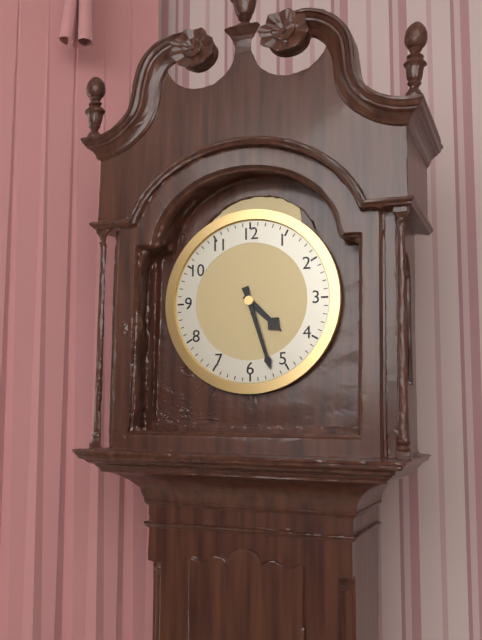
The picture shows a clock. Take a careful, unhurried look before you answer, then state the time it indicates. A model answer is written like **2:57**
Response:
**4:27**
